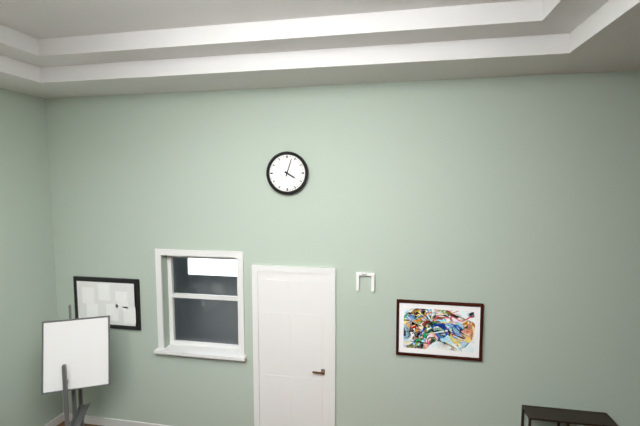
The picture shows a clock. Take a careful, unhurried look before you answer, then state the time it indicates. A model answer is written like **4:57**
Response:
**4:03**
